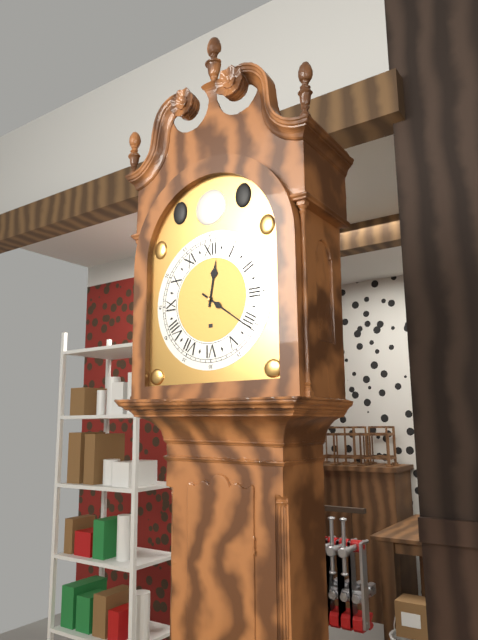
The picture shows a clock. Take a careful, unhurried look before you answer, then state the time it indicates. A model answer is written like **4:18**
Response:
**12:21**
